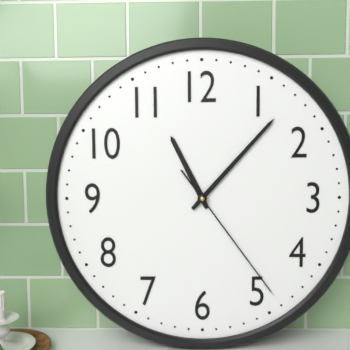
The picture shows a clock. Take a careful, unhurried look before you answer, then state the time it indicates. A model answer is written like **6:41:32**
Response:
**11:07:24**
